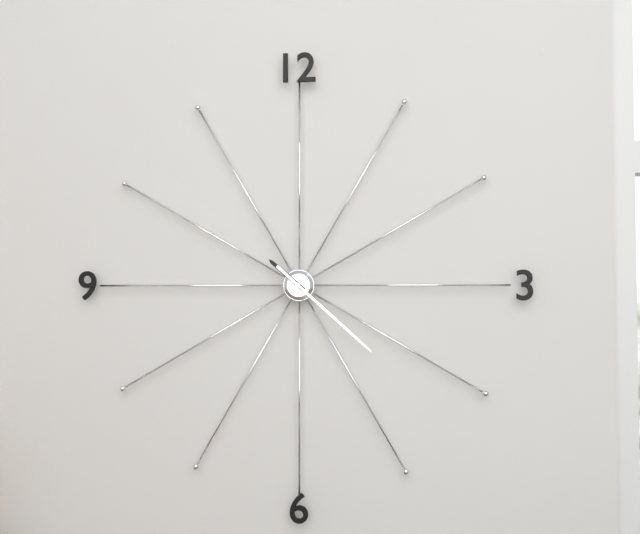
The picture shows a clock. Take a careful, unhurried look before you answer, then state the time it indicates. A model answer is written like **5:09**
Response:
**10:22**
